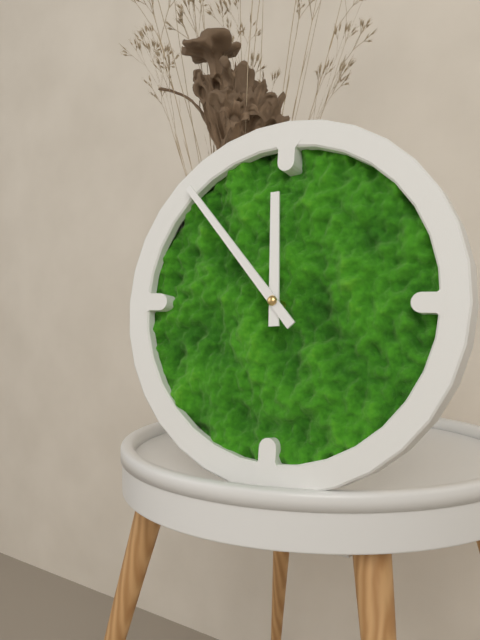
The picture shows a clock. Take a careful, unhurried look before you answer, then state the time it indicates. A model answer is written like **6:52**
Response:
**11:53**
